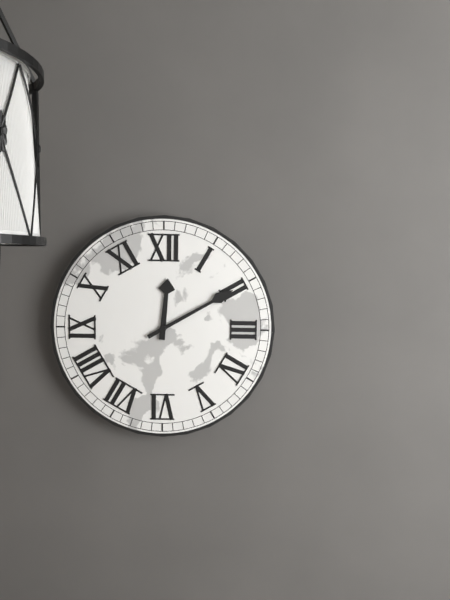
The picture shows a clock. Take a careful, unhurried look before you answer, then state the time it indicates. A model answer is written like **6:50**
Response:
**12:10**
